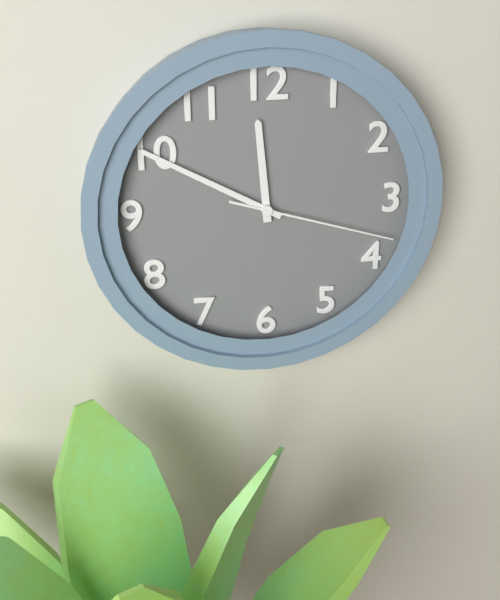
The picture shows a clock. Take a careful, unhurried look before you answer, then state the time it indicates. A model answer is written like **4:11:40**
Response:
**11:50:18**
